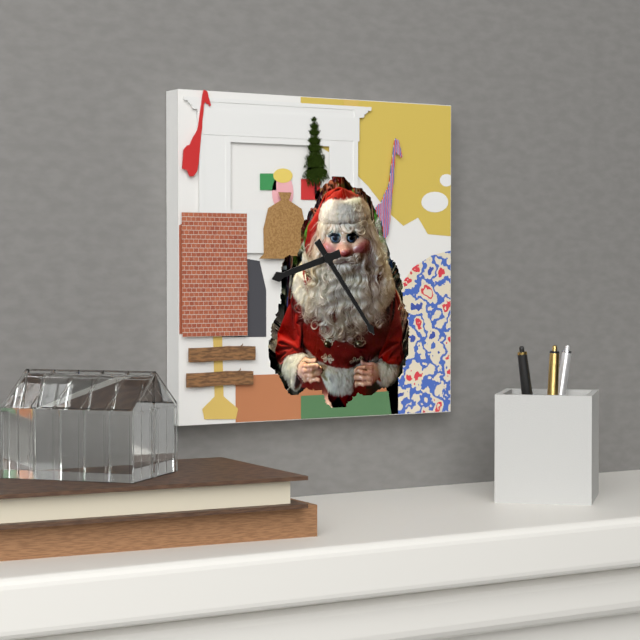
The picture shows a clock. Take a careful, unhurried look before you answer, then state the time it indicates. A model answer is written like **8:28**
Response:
**8:24**
